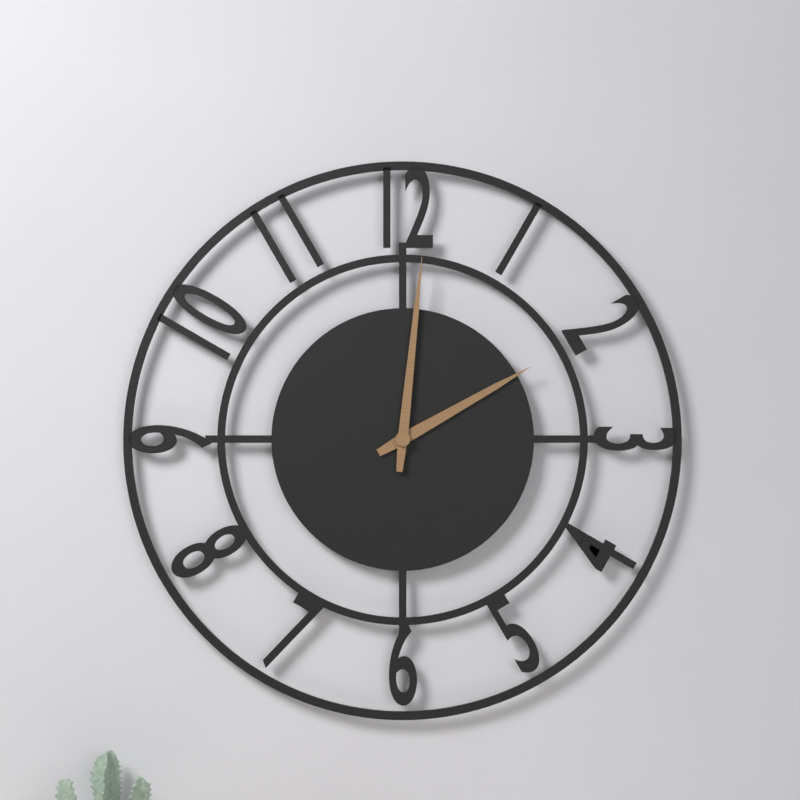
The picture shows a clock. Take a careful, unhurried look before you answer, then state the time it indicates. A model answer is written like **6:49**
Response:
**2:01**
